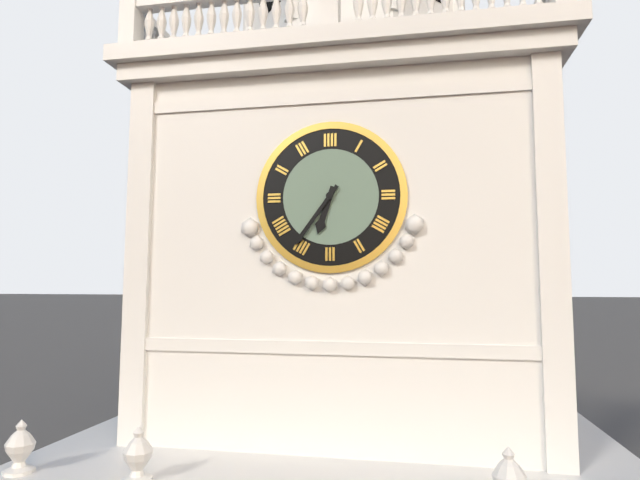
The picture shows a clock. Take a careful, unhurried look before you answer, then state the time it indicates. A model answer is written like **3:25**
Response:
**6:36**
